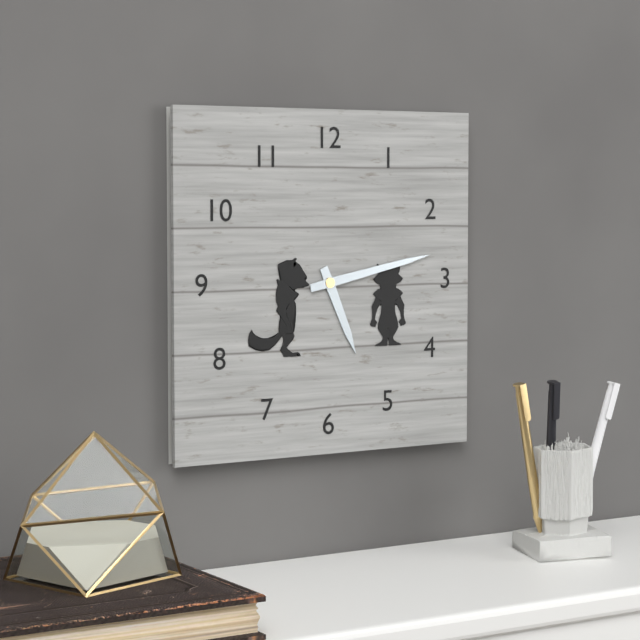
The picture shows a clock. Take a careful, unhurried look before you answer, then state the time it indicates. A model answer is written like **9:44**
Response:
**5:13**
